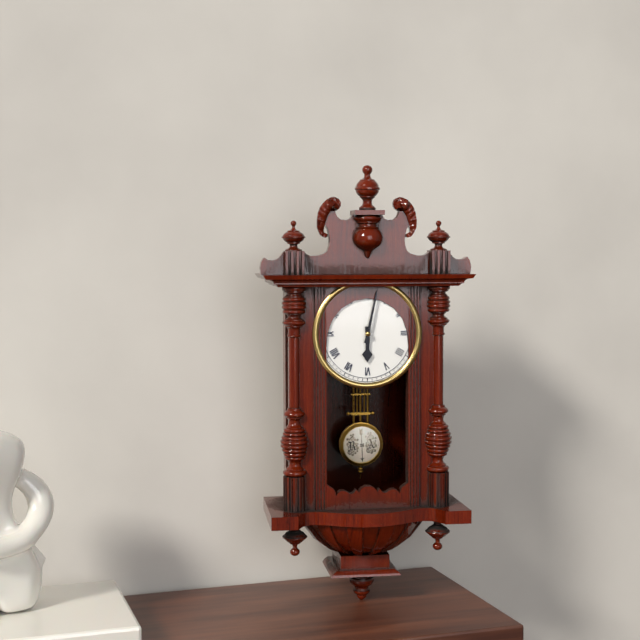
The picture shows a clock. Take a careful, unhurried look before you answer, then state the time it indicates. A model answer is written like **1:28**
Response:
**6:02**
